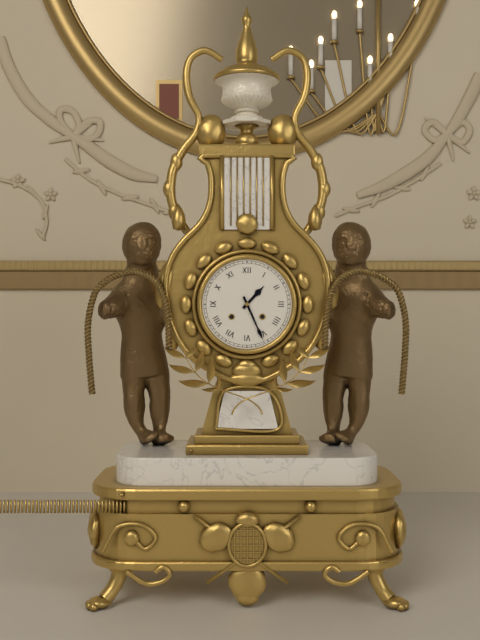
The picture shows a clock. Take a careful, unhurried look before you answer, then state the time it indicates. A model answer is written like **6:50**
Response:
**1:26**
